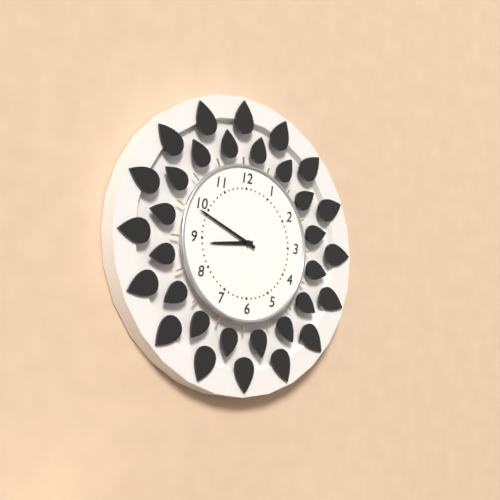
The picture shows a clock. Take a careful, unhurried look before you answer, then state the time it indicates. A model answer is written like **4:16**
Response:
**8:49**
